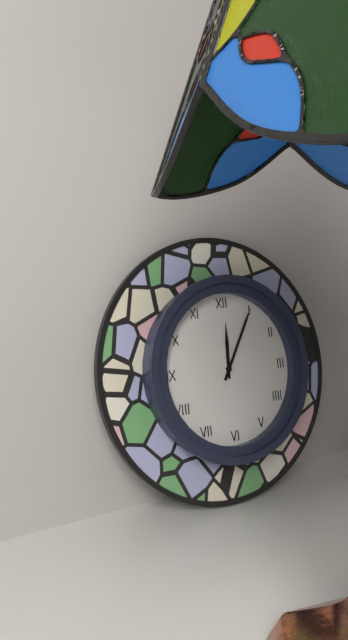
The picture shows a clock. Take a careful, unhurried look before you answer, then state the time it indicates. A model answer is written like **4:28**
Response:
**12:05**
